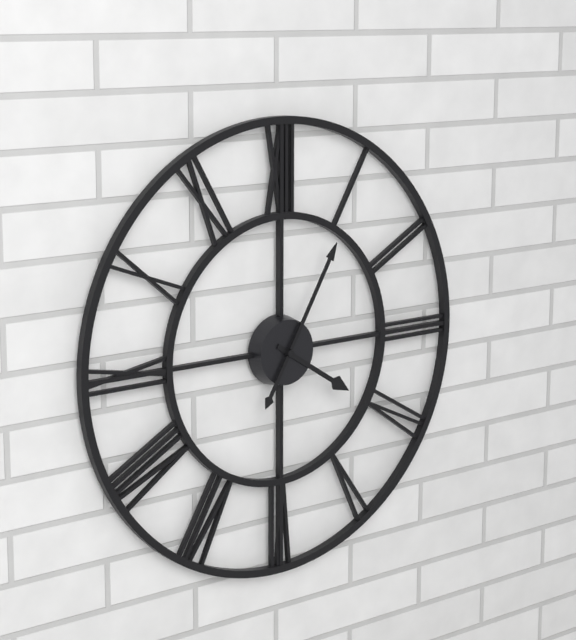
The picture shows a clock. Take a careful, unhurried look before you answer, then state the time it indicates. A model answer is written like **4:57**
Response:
**4:05**
